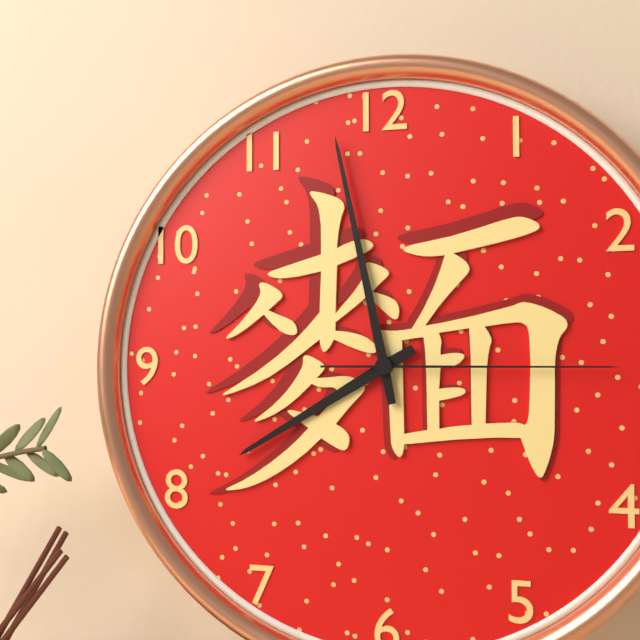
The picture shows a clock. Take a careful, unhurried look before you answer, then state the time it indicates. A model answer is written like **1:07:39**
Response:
**7:58:15**
